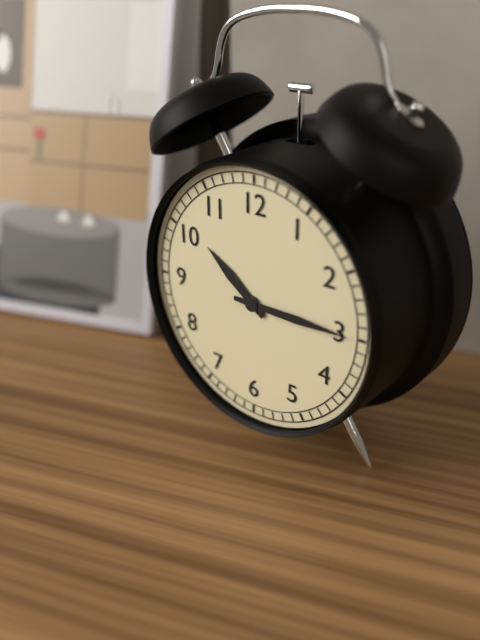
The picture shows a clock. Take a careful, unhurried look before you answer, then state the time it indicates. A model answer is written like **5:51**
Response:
**10:15**
